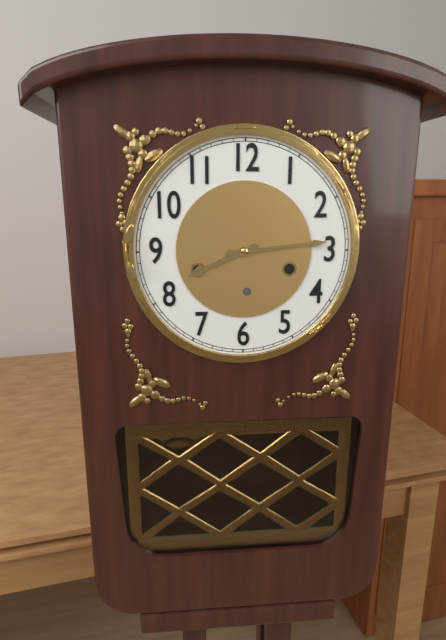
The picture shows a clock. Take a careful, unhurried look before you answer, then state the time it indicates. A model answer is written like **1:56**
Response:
**8:14**
